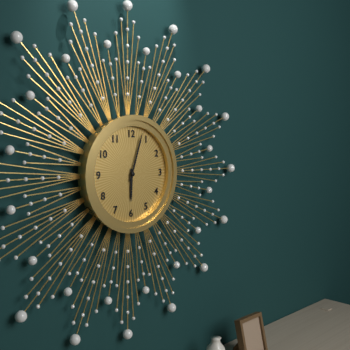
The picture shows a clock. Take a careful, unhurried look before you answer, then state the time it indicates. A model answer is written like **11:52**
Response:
**6:03**
